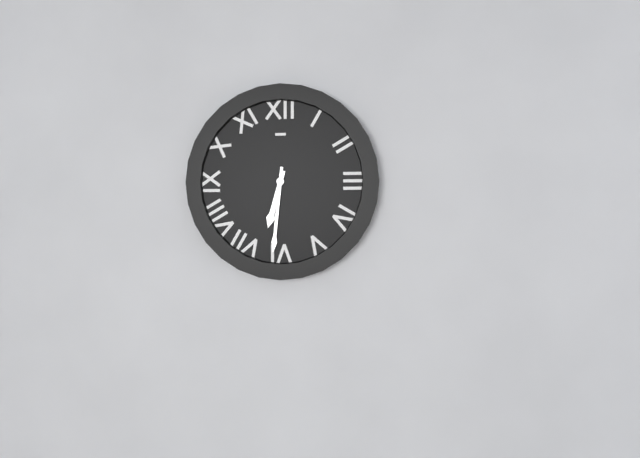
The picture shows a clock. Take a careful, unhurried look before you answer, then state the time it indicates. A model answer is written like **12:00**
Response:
**6:31**
